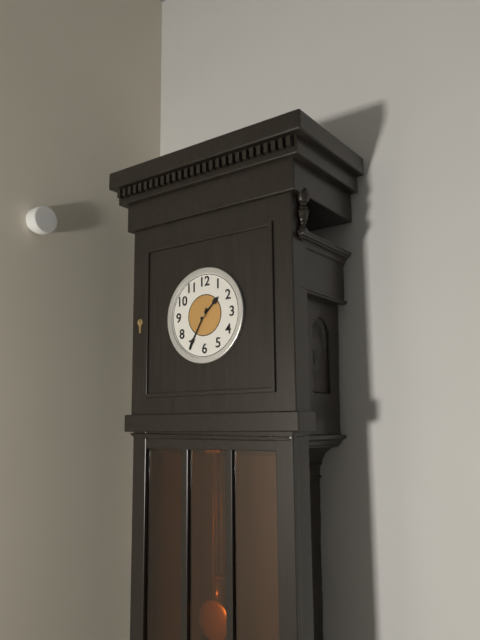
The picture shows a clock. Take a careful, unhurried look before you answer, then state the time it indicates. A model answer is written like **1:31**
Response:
**1:35**
